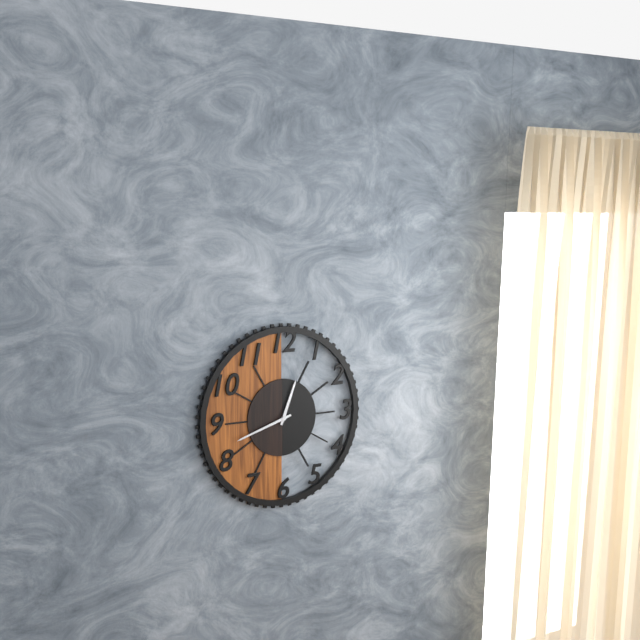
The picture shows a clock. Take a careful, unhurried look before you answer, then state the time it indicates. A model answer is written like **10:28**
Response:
**12:42**
